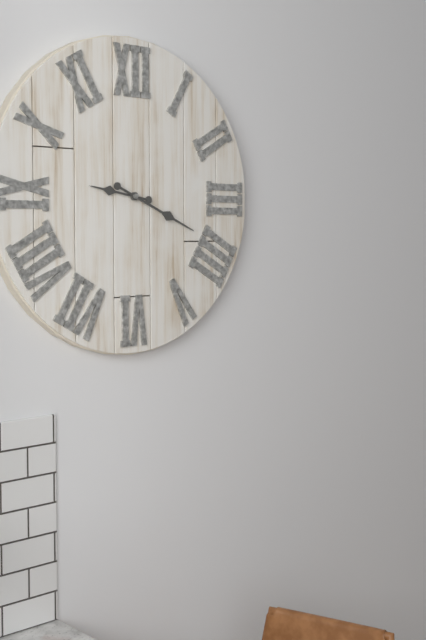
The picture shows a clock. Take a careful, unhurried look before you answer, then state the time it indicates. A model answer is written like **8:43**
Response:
**9:19**
